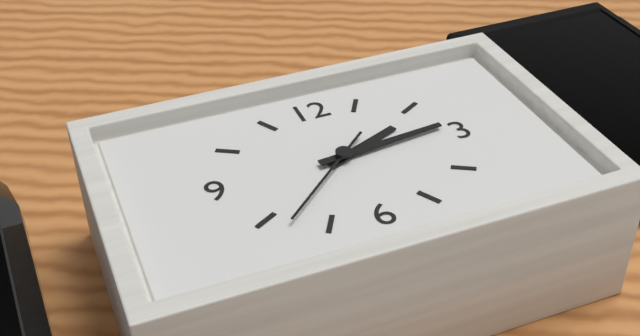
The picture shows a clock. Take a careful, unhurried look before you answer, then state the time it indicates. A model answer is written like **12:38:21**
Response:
**2:14:38**
